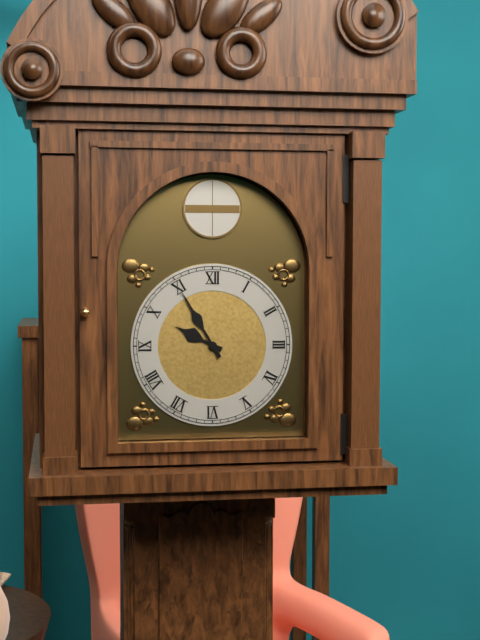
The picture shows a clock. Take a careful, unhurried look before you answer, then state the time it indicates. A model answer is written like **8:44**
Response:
**9:55**
